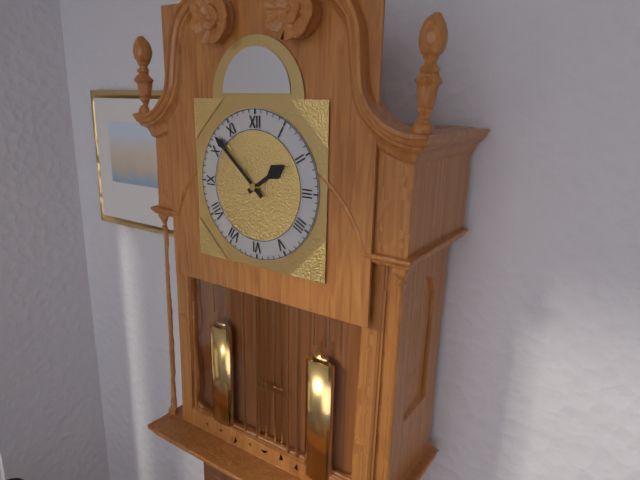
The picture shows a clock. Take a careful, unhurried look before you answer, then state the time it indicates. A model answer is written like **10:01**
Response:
**1:52**
